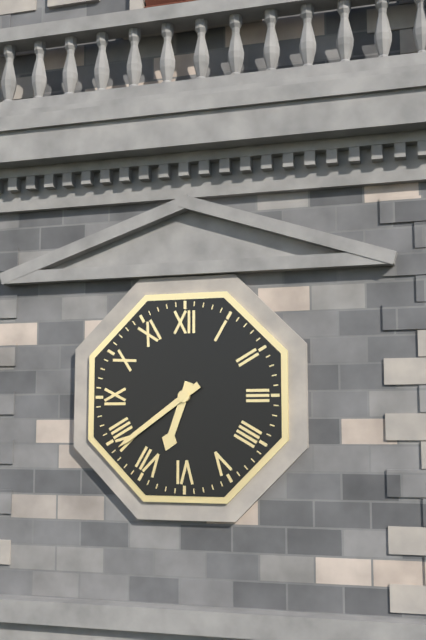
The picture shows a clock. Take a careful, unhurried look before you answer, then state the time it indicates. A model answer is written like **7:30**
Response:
**6:39**
